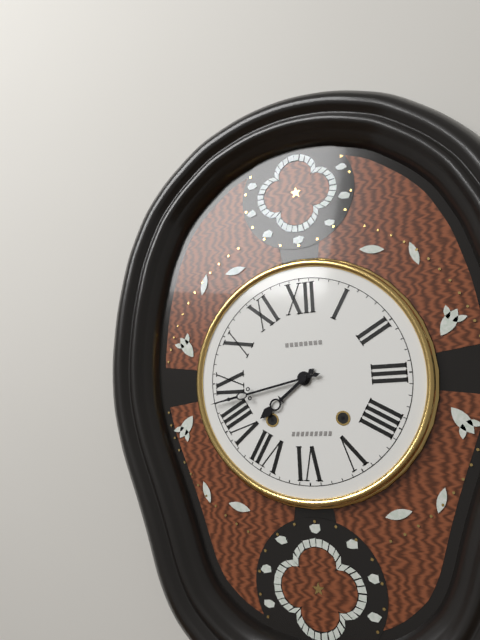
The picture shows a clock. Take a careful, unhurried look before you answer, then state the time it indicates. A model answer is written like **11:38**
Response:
**7:43**
